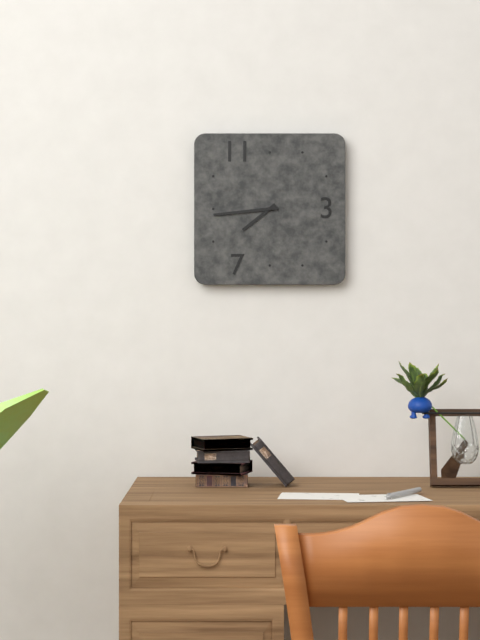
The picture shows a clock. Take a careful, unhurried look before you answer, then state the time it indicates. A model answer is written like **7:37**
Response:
**7:44**
